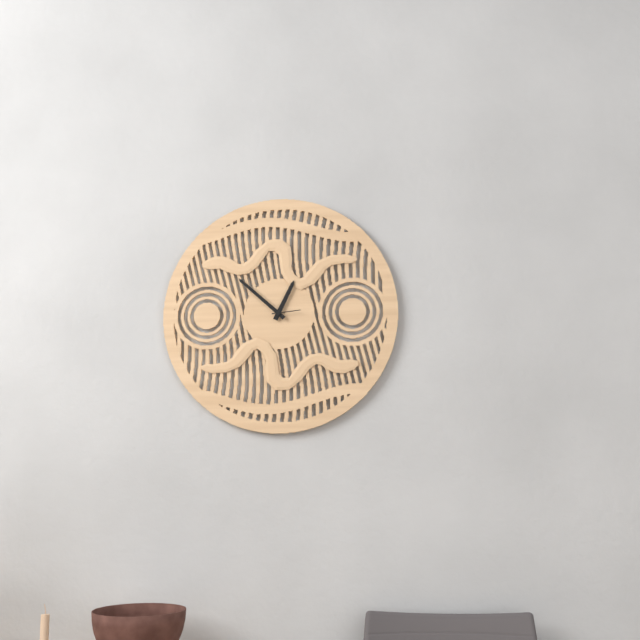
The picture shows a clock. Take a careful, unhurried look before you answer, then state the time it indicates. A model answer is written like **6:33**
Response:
**12:52**
